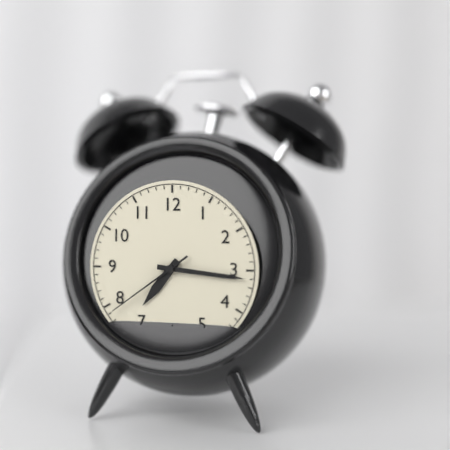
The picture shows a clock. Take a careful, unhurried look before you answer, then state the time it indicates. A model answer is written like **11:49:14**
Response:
**7:16:39**
